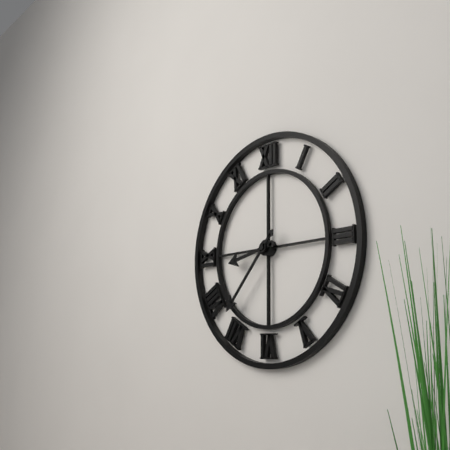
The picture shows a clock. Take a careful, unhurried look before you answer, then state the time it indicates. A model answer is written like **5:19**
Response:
**8:37**
